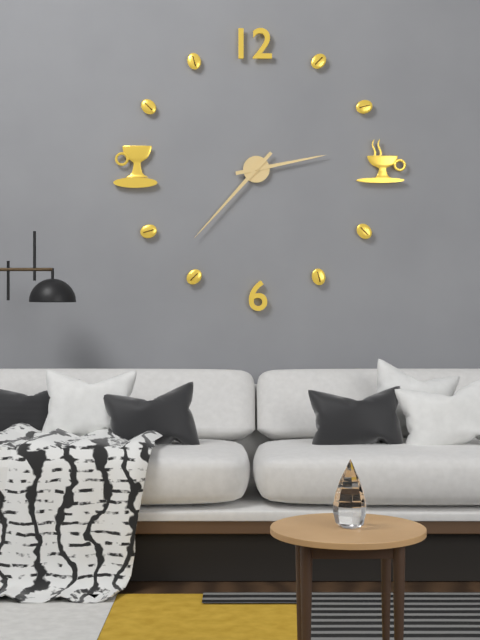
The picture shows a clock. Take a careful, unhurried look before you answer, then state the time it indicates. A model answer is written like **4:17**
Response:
**2:37**
